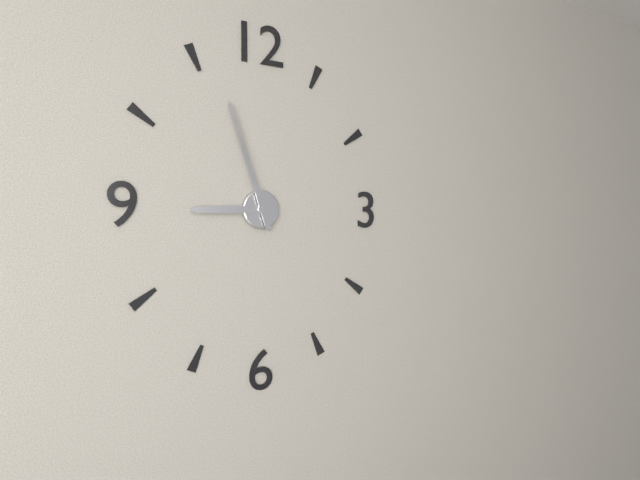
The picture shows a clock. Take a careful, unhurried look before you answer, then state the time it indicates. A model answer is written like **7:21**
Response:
**8:57**
